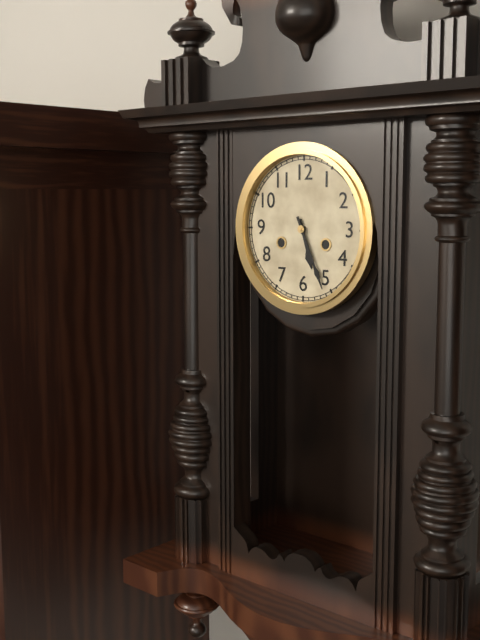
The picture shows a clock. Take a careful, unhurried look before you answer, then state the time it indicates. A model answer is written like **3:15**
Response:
**5:26**
